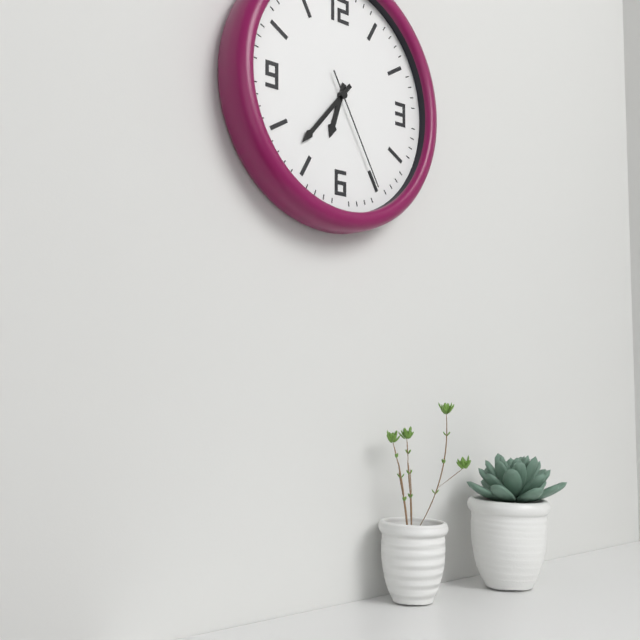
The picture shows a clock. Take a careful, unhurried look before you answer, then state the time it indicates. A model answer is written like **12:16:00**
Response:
**6:37:25**
